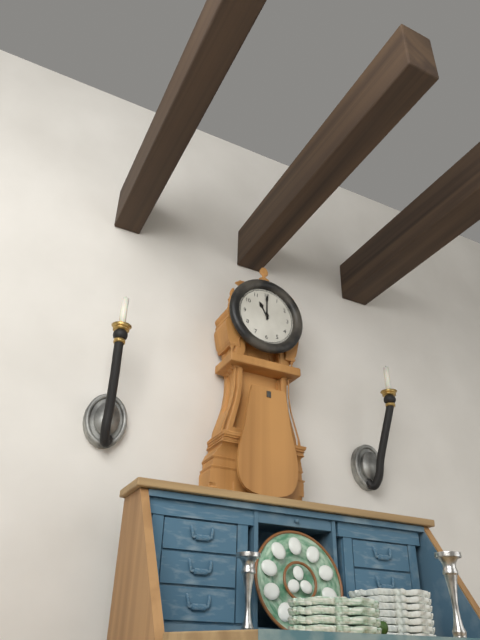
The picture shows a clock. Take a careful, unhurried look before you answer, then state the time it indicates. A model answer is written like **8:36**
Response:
**11:00**
